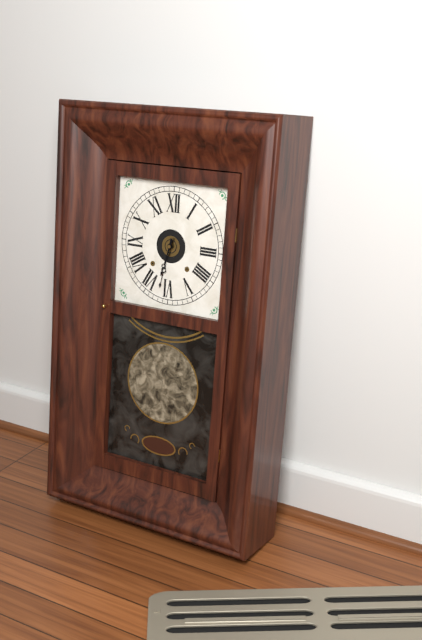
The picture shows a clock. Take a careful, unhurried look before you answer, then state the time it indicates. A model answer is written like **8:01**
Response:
**6:32**
